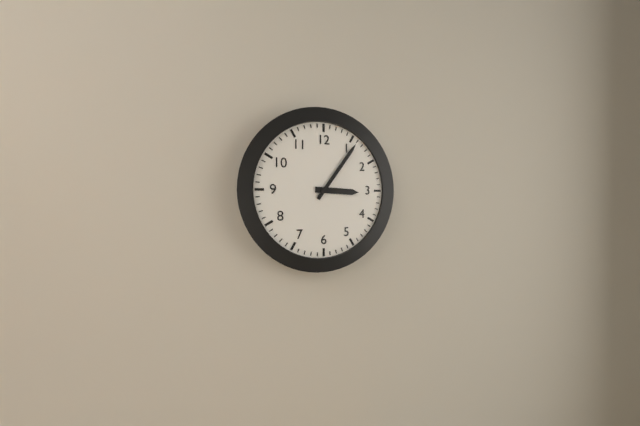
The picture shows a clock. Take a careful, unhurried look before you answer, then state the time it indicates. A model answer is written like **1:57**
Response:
**3:06**
